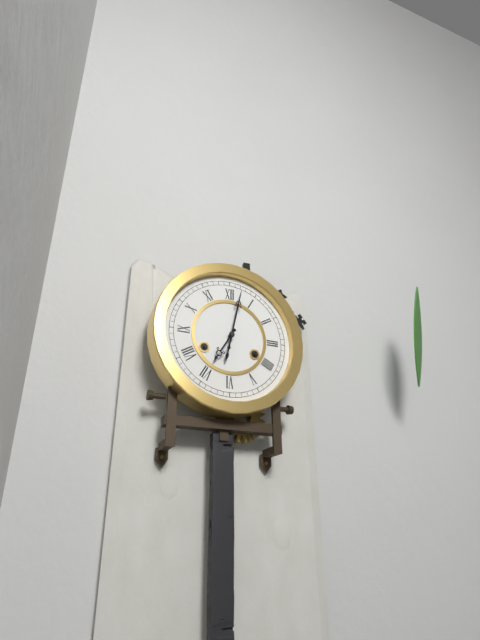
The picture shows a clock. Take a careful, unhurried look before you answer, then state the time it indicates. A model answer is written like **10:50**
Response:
**7:02**
